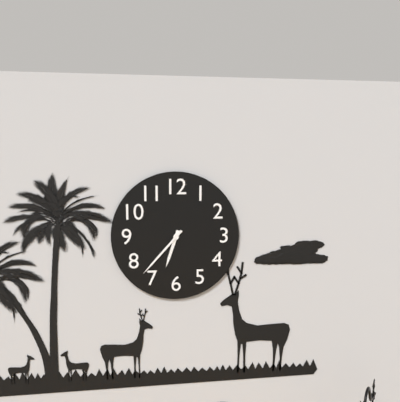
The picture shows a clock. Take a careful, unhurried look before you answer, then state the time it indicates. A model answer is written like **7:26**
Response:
**6:37**
